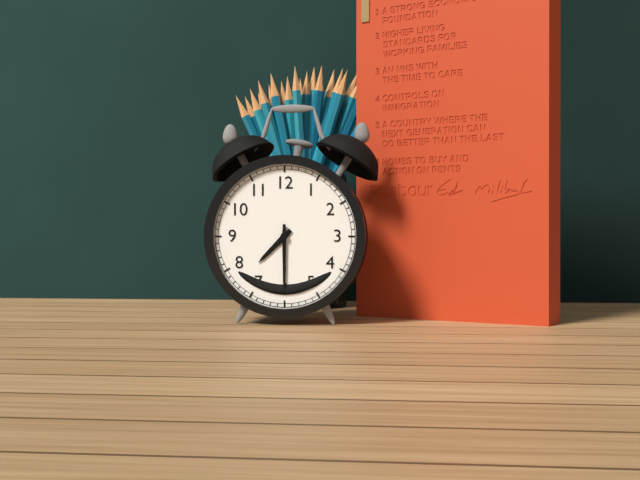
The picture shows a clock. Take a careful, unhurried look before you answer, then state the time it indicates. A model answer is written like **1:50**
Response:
**7:30**
